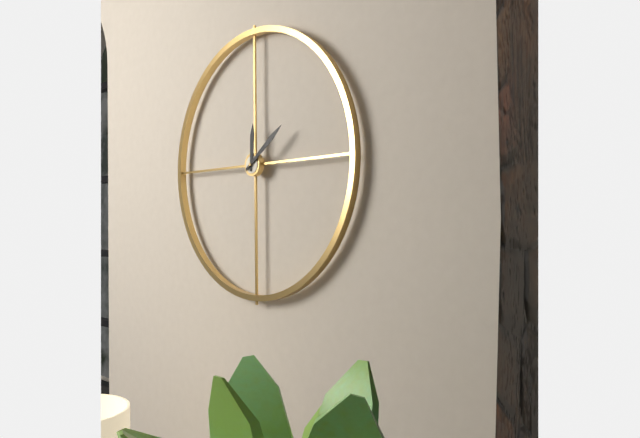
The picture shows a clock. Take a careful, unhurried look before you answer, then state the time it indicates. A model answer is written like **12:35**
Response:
**12:09**
